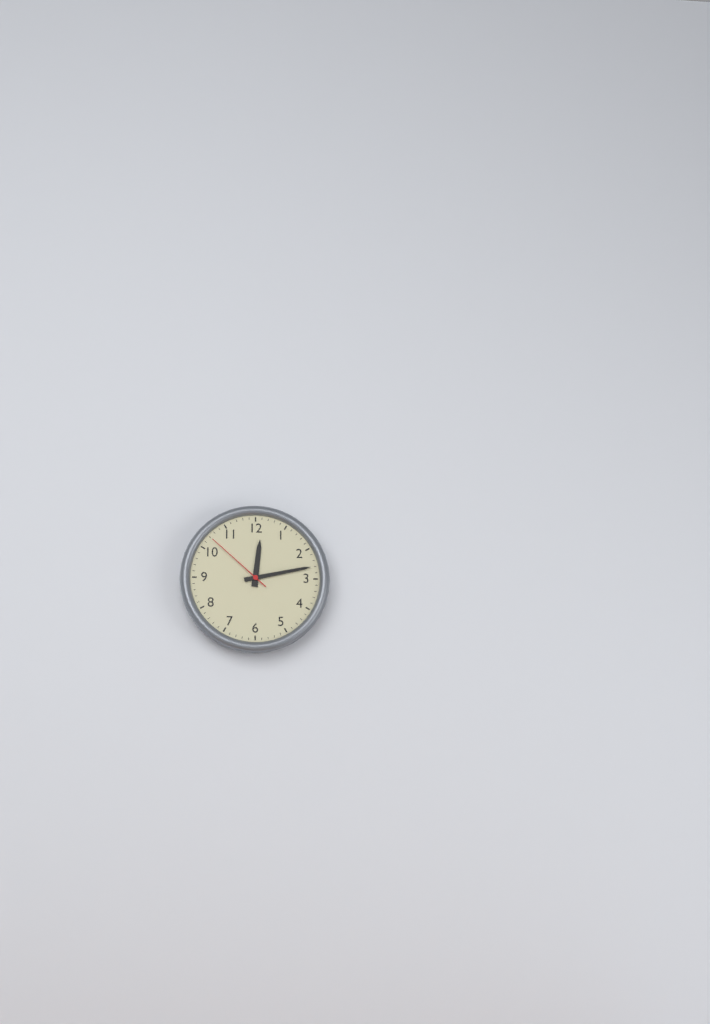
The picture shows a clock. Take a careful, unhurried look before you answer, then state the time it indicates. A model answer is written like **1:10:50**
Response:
**12:13:52**
